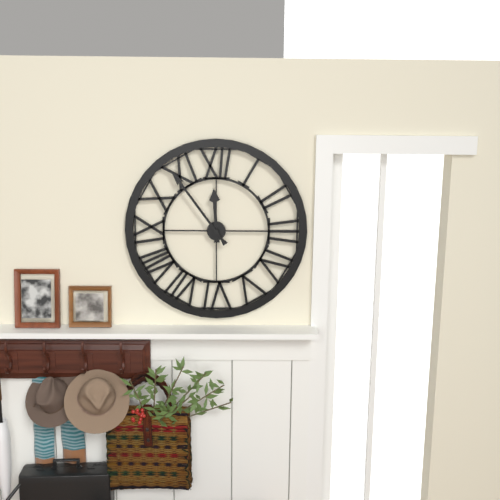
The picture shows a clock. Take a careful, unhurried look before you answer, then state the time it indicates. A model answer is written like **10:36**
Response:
**11:54**
